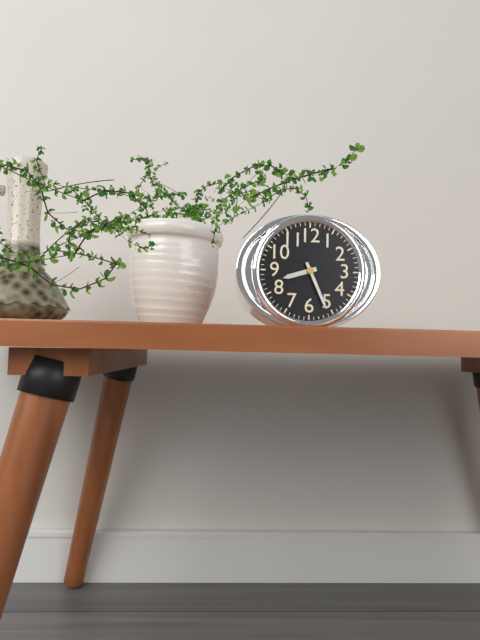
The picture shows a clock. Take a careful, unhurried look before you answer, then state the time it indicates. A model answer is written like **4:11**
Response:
**8:26**
